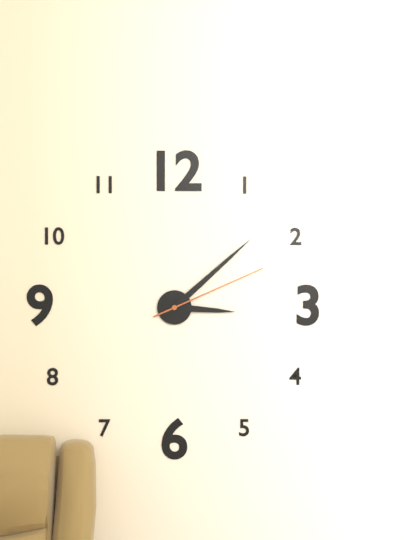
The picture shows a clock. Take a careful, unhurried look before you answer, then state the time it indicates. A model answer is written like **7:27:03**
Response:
**3:08:11**
